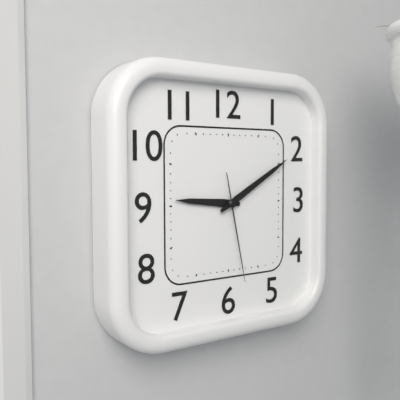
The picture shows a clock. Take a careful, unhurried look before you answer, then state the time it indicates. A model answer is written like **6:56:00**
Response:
**9:10:28**
